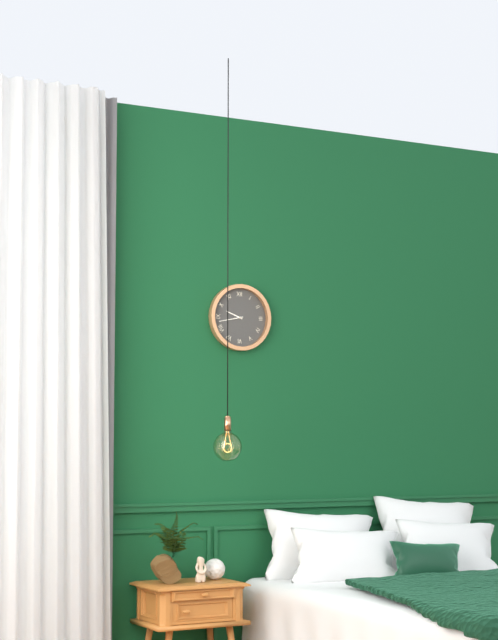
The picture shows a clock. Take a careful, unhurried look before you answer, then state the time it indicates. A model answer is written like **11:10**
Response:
**9:43**
